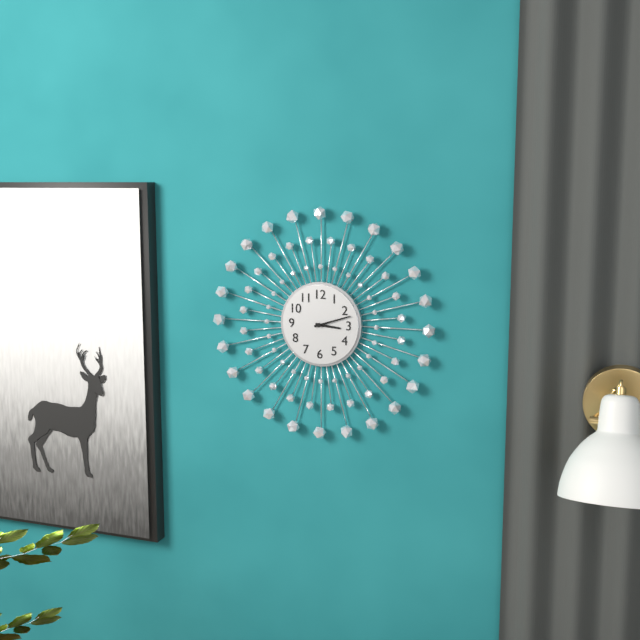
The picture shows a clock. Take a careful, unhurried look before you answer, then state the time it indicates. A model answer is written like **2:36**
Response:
**3:12**
